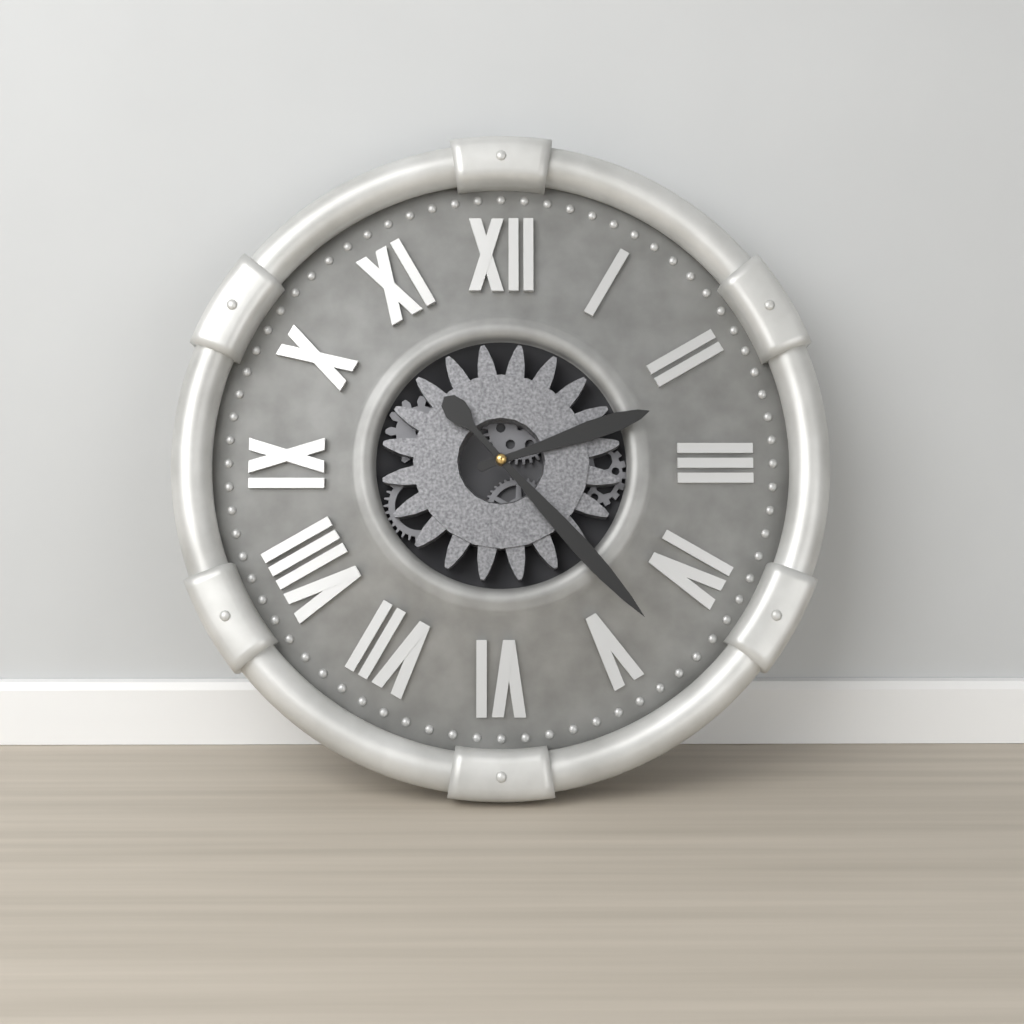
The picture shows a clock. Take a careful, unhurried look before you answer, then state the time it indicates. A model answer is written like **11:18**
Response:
**2:23**
